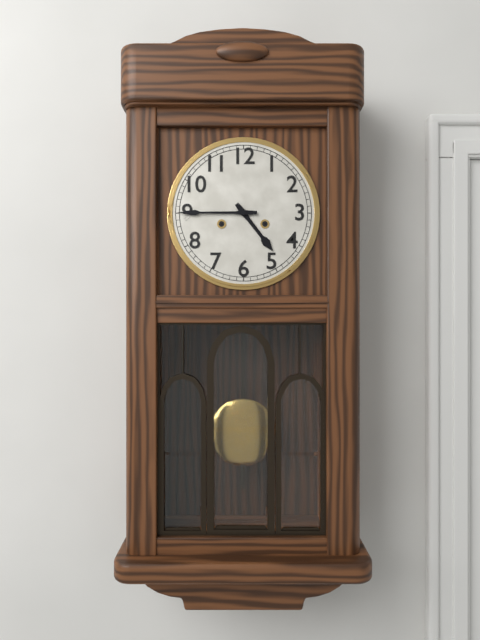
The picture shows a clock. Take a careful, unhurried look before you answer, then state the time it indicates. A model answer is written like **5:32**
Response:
**4:45**
